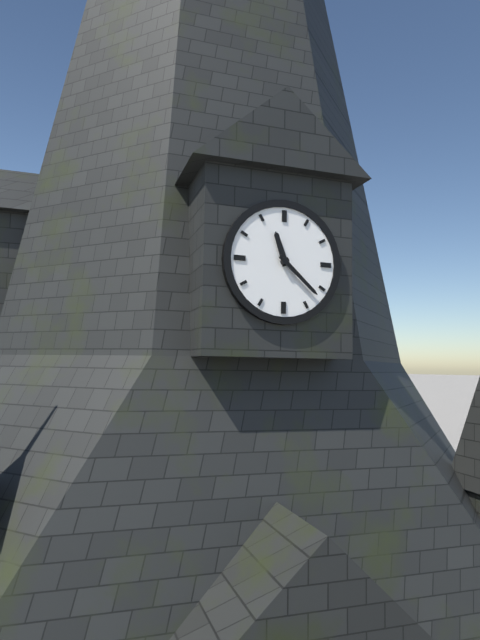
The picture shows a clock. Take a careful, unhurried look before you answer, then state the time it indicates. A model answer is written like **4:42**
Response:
**11:22**
